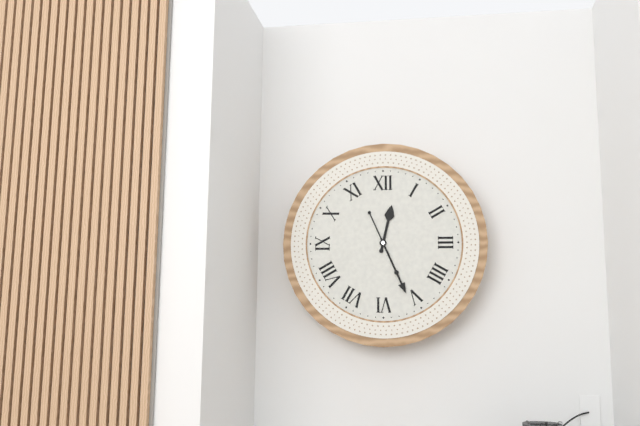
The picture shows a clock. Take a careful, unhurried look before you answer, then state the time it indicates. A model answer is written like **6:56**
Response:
**12:26**
